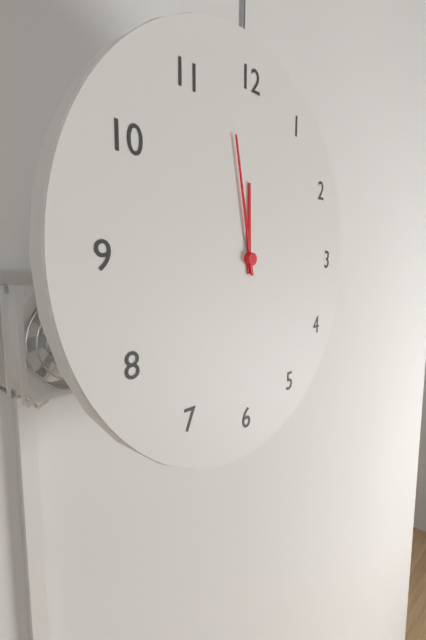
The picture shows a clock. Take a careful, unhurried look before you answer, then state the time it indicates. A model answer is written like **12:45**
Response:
**11:58**
